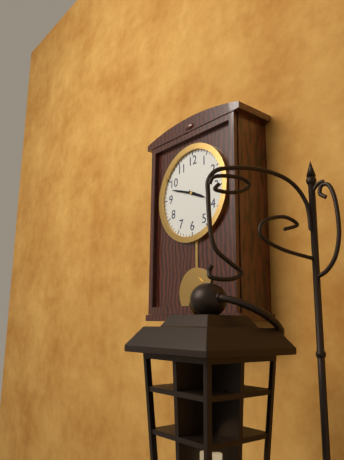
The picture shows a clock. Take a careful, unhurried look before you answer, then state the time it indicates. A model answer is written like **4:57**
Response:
**3:48**
